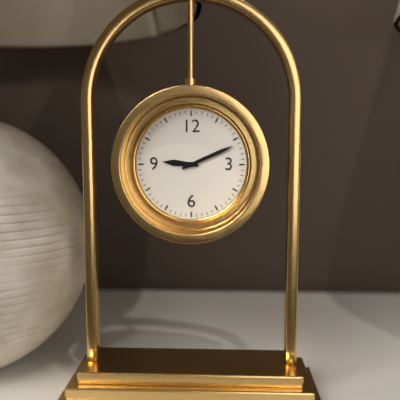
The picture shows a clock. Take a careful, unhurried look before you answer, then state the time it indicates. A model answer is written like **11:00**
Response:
**9:11**
